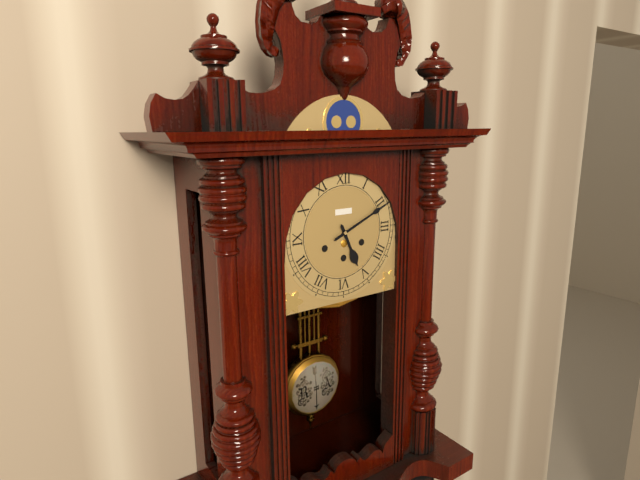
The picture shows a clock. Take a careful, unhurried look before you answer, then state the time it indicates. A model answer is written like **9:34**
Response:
**5:11**
